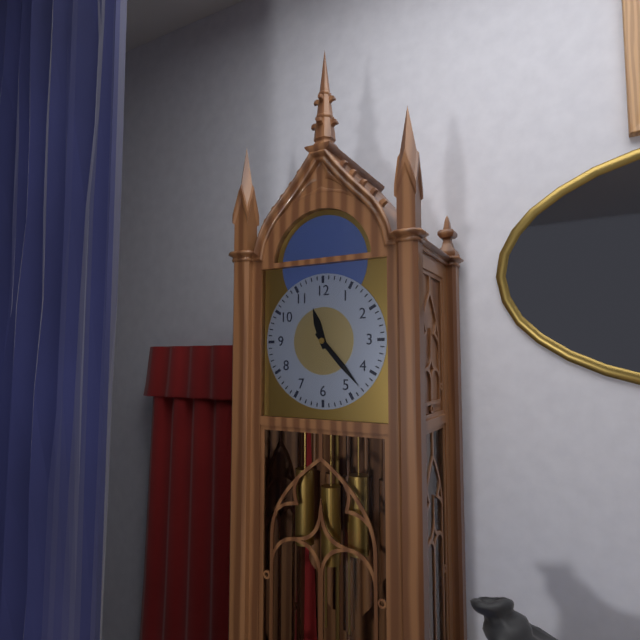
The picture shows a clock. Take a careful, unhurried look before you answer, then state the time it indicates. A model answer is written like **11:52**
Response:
**11:23**
